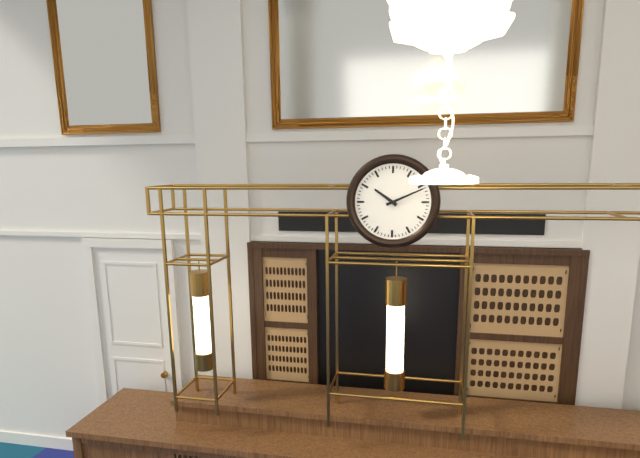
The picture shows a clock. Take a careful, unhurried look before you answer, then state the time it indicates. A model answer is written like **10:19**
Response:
**10:11**
